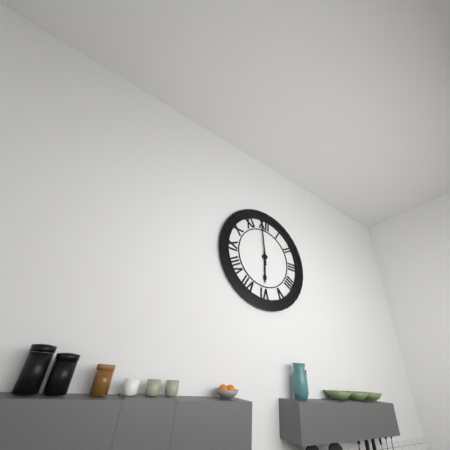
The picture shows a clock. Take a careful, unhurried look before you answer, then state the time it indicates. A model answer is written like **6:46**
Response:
**5:59**
